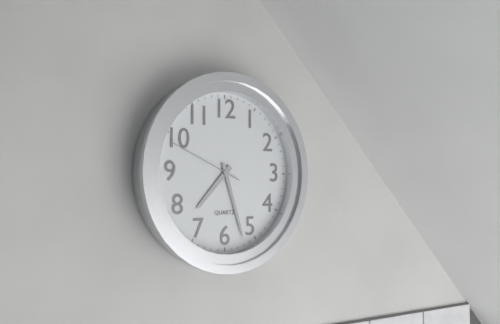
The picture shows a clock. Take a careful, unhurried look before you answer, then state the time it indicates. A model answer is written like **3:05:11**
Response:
**7:27:49**
